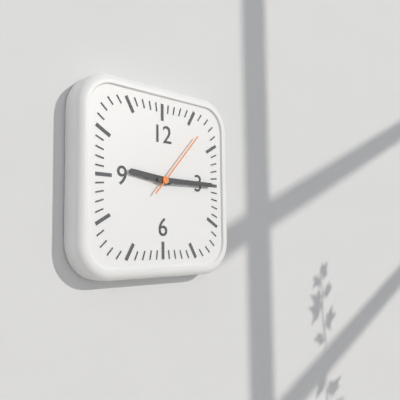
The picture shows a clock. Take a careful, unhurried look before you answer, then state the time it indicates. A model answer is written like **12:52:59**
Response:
**9:15:07**
